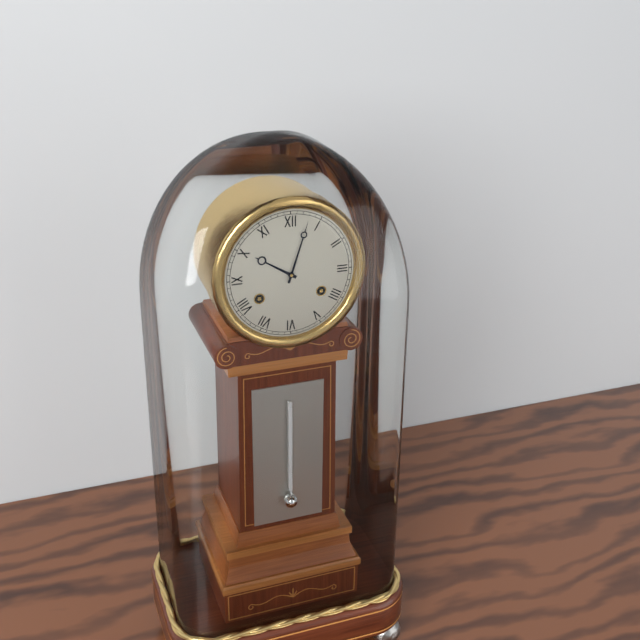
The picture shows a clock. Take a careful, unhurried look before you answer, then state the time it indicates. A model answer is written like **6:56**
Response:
**10:03**
